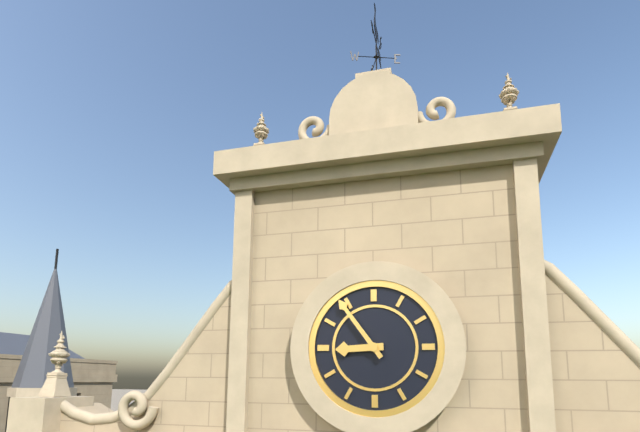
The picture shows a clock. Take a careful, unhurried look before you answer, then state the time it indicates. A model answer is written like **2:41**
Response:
**8:54**
